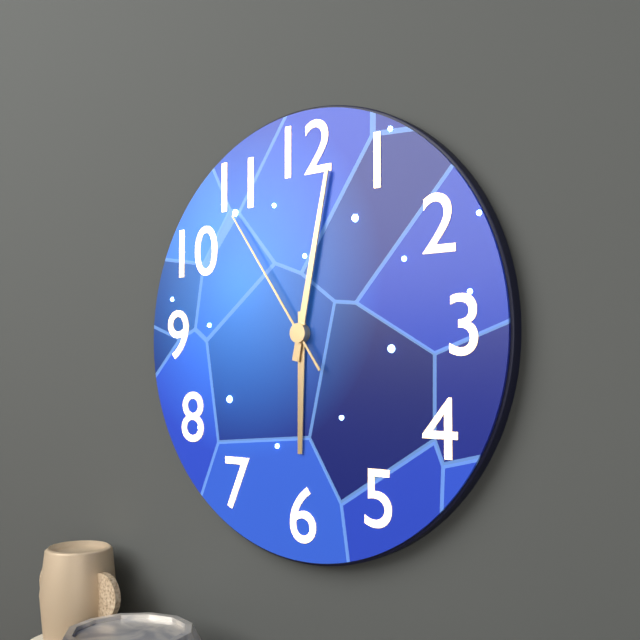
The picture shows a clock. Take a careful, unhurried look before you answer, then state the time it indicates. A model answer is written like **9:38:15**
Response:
**6:02:54**
